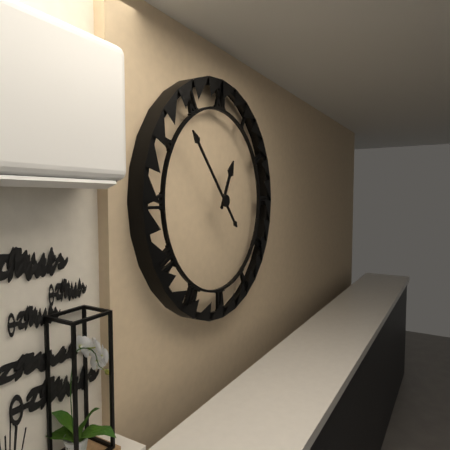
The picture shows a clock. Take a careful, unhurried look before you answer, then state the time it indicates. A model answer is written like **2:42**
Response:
**12:53**
